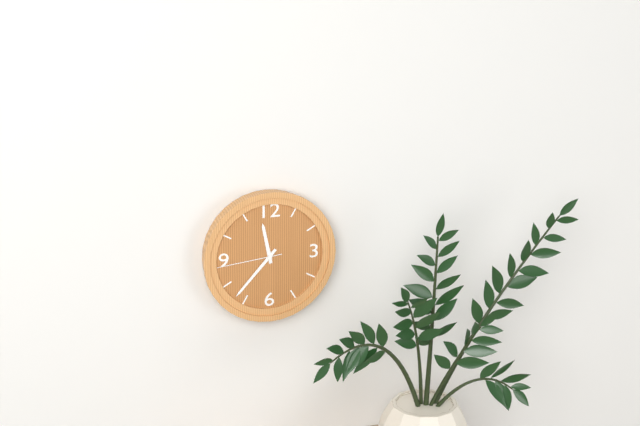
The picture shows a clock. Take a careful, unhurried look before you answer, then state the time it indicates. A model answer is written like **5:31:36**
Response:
**11:37:44**
